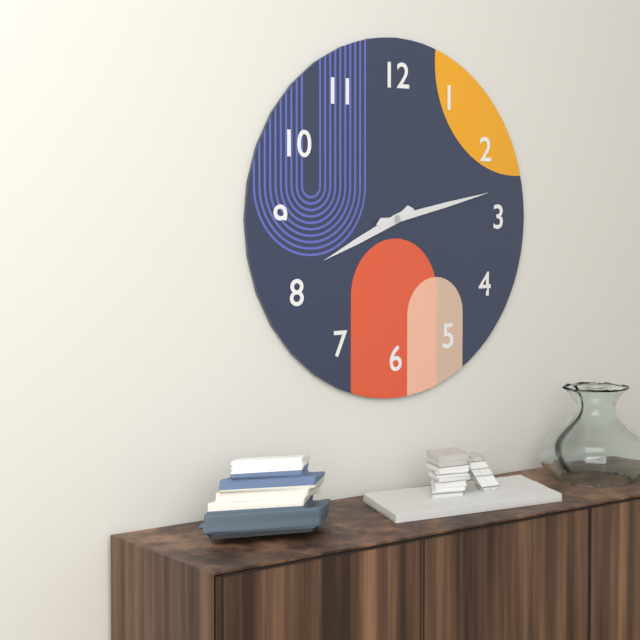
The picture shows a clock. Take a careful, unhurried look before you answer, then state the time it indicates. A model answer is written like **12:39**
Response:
**8:13**
